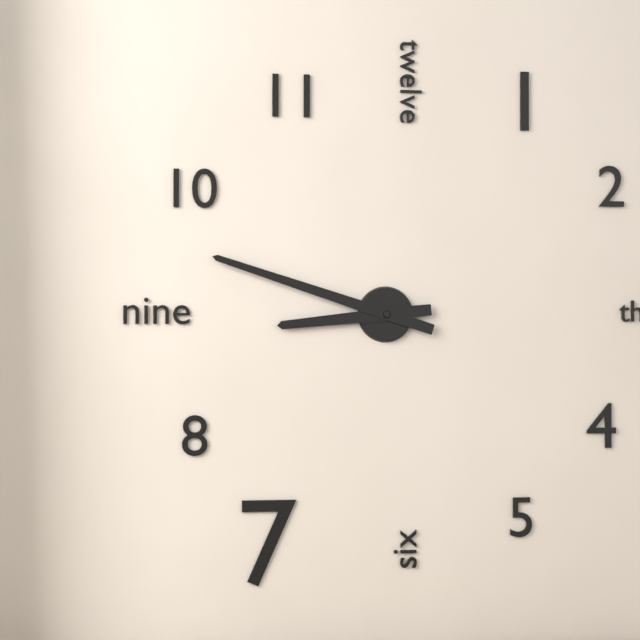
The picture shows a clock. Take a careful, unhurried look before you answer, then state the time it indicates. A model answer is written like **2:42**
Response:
**8:48**
